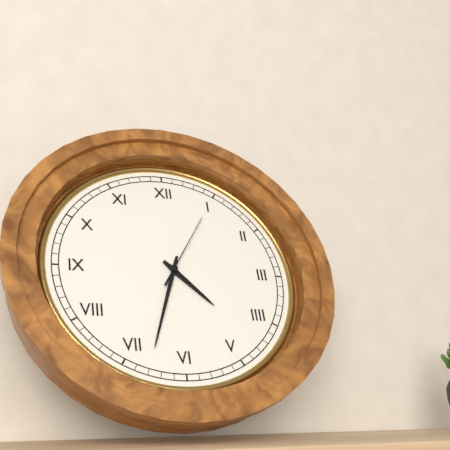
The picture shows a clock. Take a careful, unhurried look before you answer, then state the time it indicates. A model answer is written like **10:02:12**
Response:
**4:33:05**
